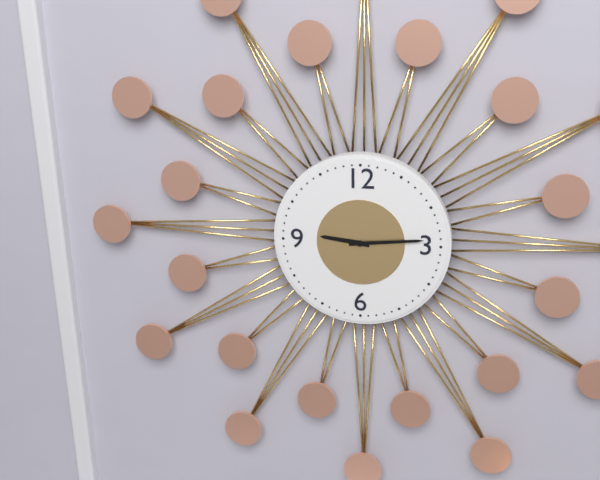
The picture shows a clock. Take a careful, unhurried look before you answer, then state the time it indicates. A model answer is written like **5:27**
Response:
**9:14**
